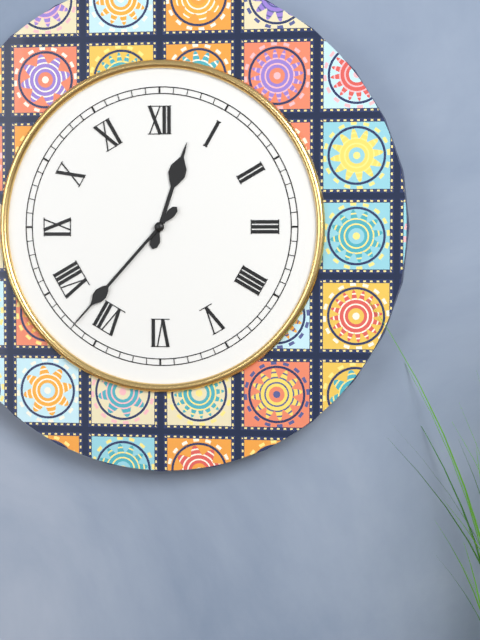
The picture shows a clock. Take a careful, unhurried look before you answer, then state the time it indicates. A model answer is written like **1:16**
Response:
**12:37**
